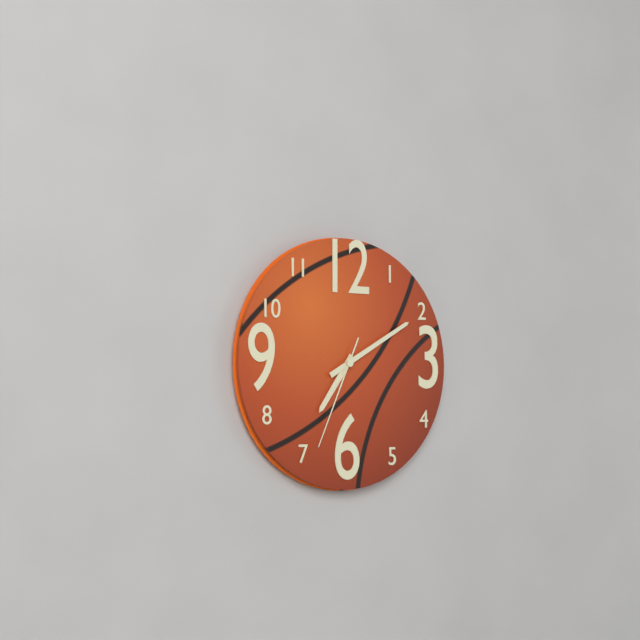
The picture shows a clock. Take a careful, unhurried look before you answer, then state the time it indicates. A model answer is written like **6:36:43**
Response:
**7:10:34**
